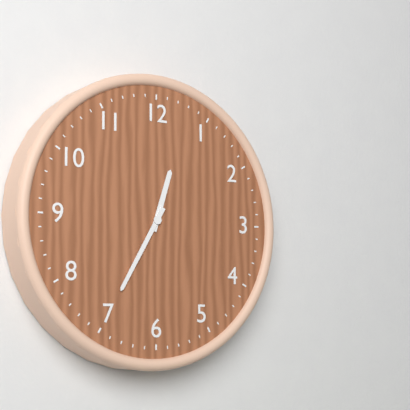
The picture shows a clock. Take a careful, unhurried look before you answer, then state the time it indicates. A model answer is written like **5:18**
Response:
**12:35**
